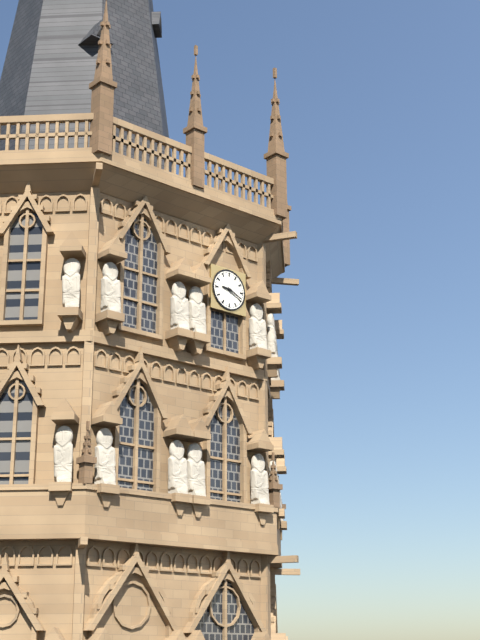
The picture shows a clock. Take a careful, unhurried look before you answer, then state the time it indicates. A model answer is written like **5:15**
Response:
**9:19**
